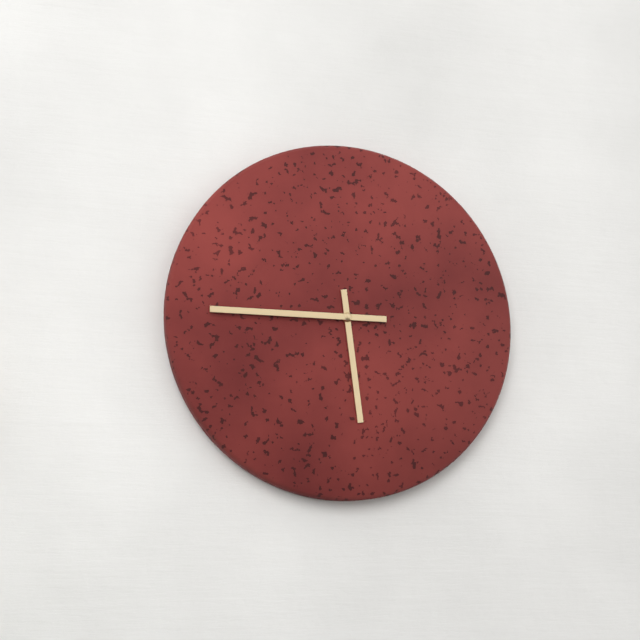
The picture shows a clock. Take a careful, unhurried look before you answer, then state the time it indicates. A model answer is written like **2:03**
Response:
**5:45**
